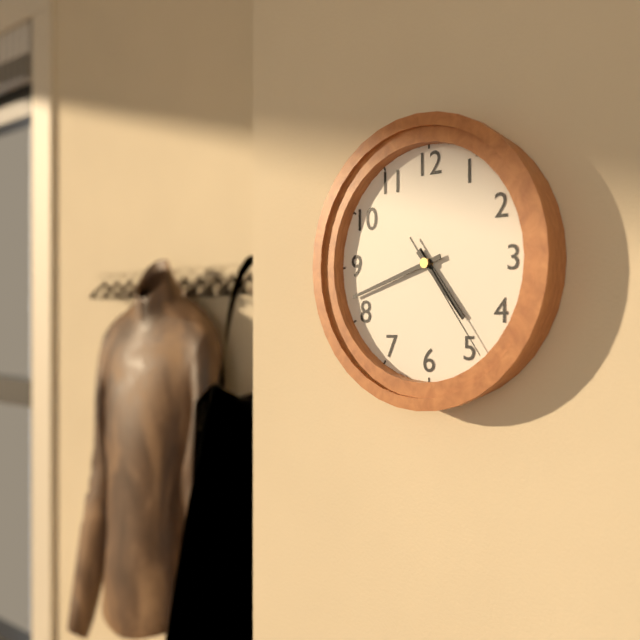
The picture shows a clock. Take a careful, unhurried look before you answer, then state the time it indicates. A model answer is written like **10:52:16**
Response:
**4:42:24**
